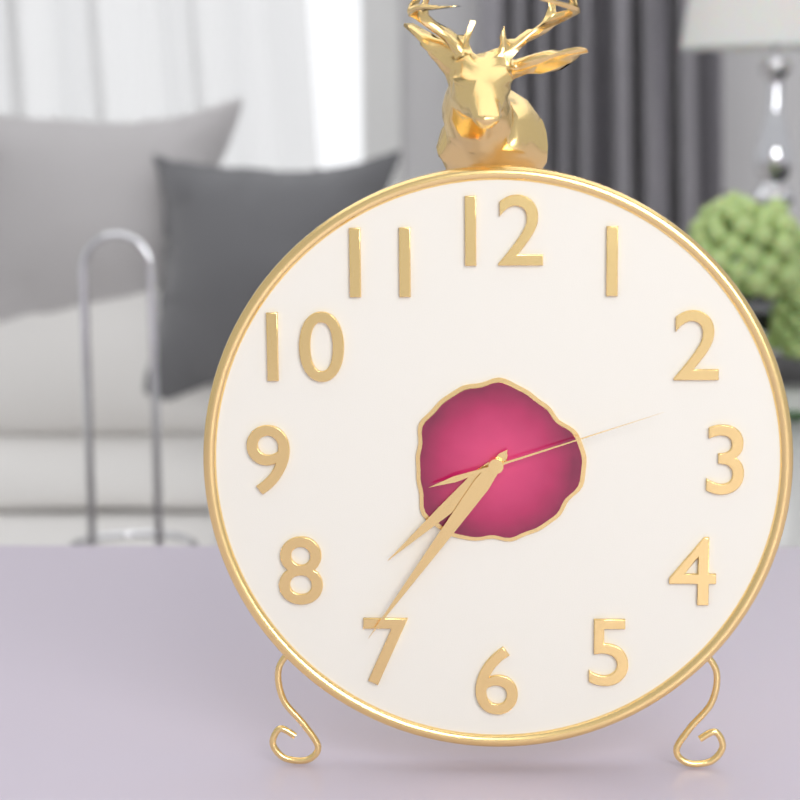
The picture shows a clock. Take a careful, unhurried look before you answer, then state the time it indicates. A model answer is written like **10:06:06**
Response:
**7:36:12**
